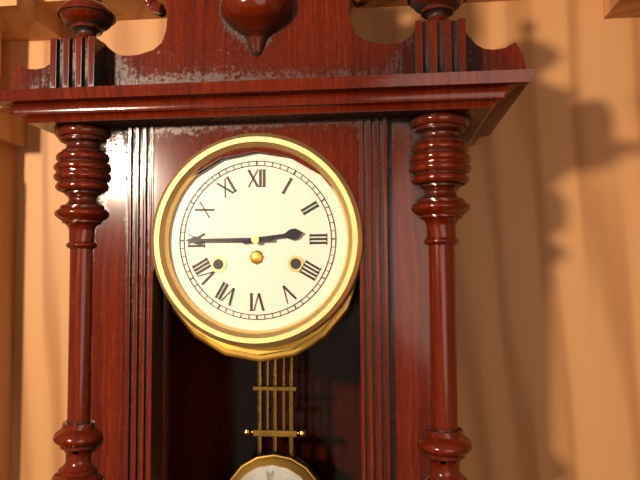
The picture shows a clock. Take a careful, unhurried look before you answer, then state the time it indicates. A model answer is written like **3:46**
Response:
**2:45**
